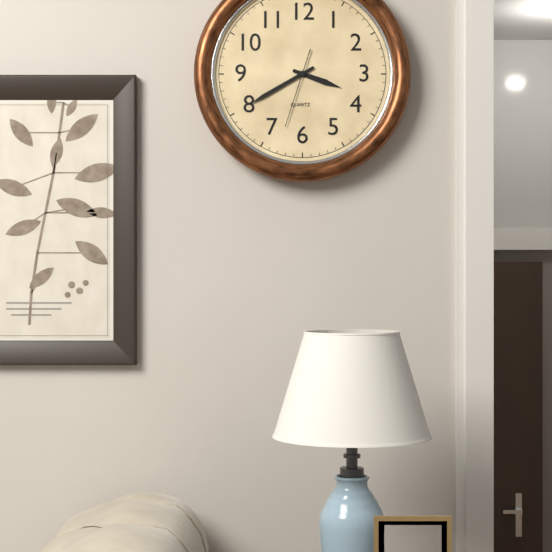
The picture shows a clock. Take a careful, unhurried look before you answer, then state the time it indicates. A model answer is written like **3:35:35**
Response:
**3:40:33**
